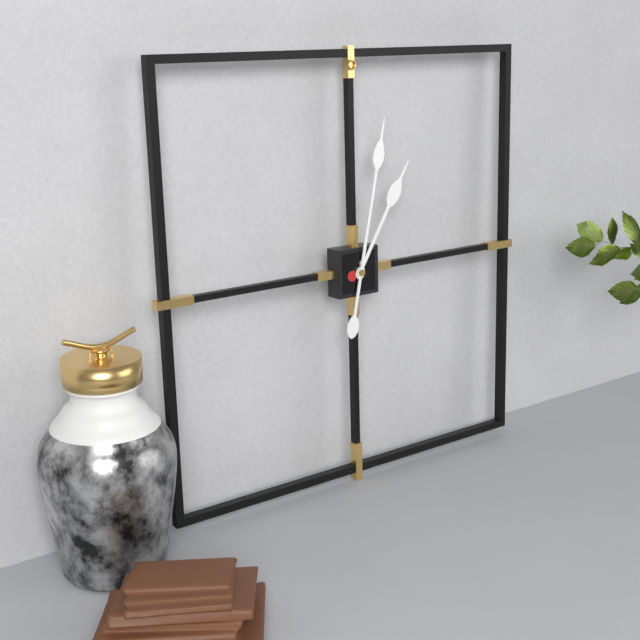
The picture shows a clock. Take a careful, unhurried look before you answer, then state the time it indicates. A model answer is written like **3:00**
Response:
**1:02**
